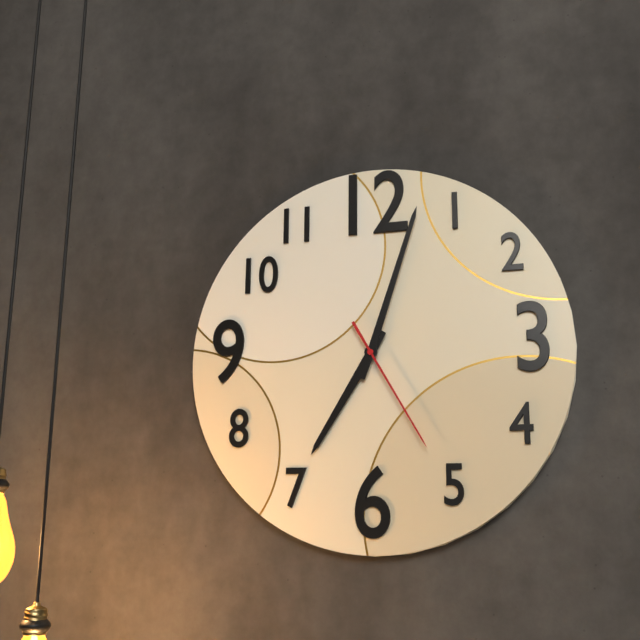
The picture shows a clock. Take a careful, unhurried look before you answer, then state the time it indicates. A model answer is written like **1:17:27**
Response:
**7:03:25**
